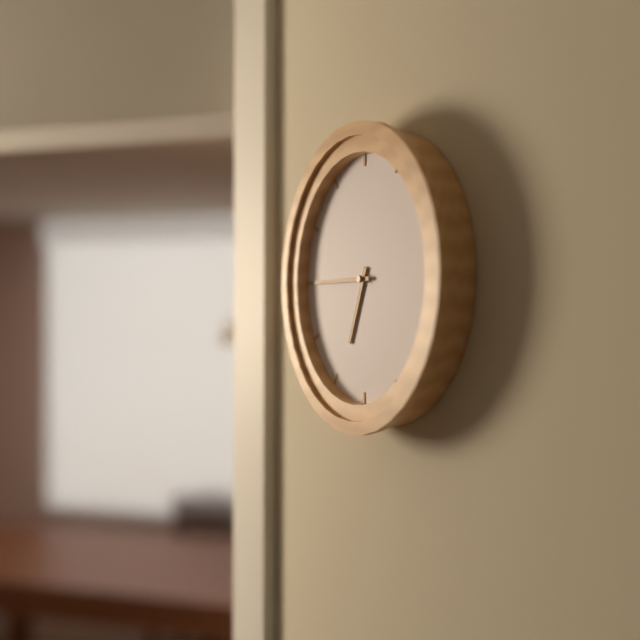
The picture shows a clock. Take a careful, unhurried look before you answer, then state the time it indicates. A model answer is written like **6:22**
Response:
**6:45**
